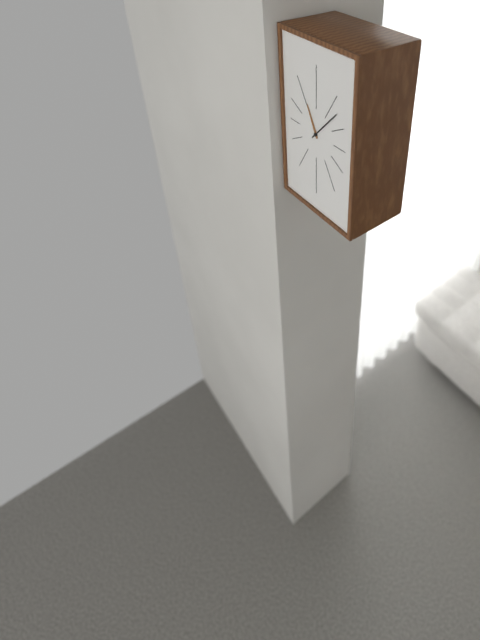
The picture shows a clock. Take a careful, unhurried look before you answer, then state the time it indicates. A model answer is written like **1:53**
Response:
**11:07**
